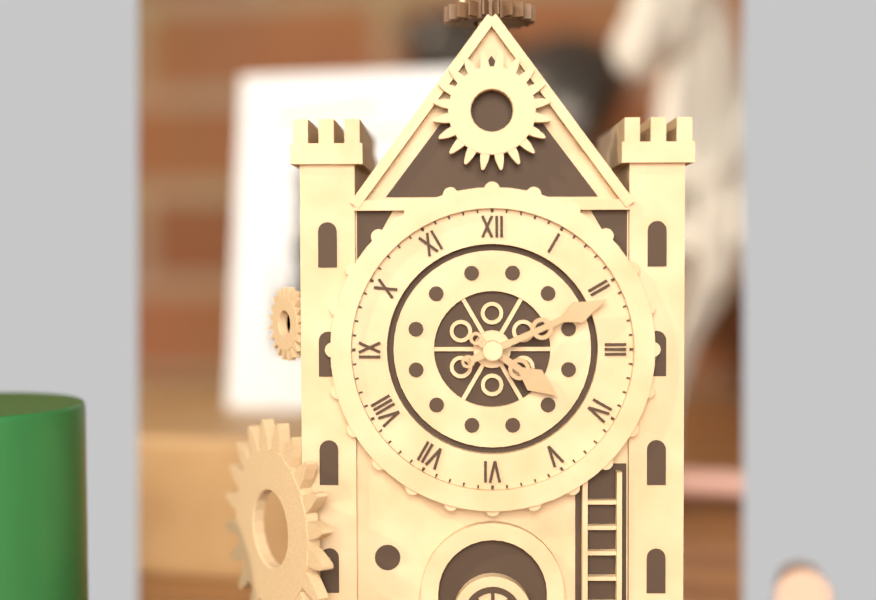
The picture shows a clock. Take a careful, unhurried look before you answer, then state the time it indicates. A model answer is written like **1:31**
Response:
**4:11**
